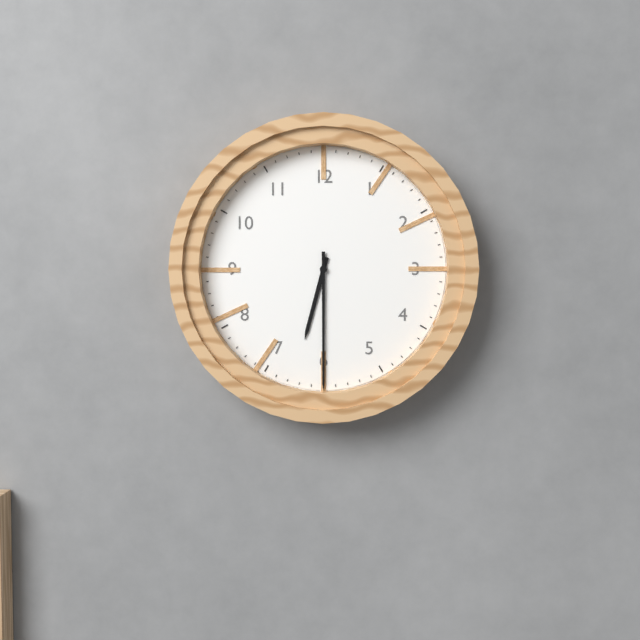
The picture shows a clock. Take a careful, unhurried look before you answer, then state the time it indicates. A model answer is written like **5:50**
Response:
**6:30**
